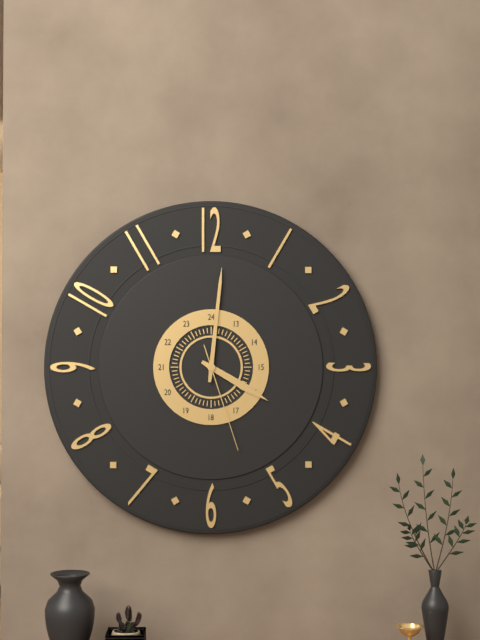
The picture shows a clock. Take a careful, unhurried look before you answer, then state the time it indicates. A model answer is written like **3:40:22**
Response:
**4:01:27**
